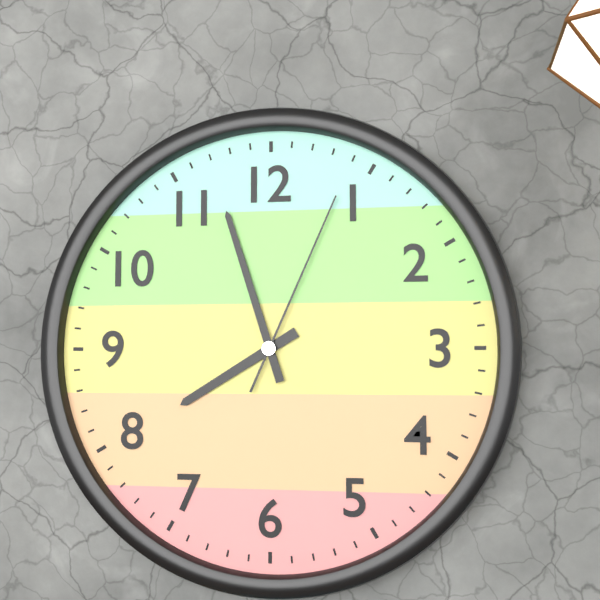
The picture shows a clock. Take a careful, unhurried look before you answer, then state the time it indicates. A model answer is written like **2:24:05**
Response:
**7:57:04**
